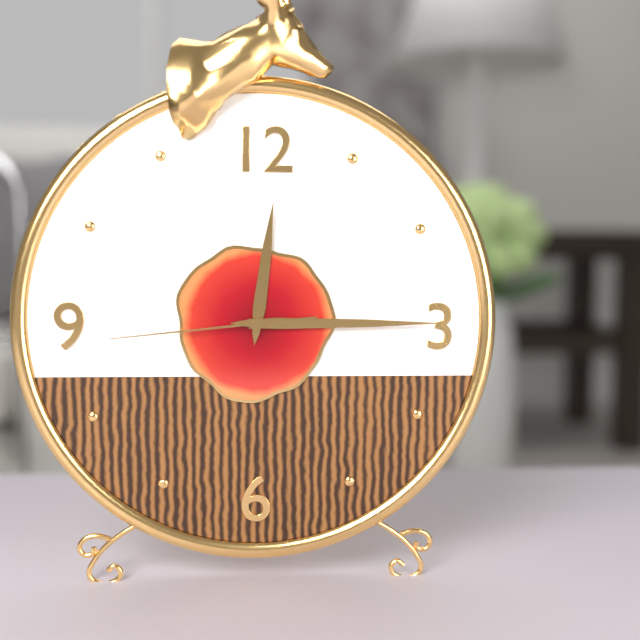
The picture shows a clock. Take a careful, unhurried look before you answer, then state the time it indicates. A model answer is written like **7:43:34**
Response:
**12:15:44**
